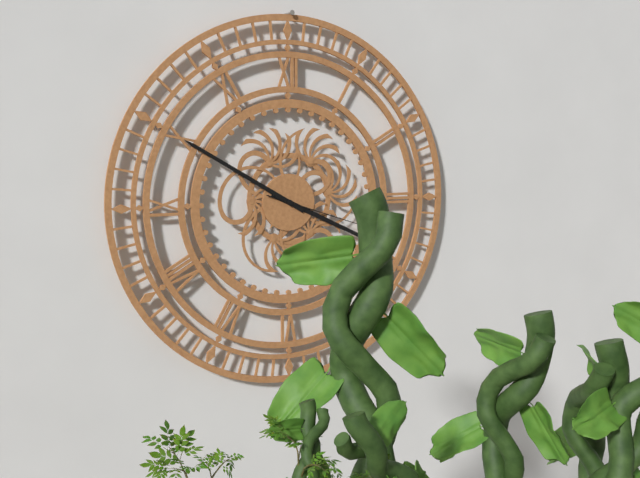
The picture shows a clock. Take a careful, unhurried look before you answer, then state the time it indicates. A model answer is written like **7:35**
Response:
**3:50**
